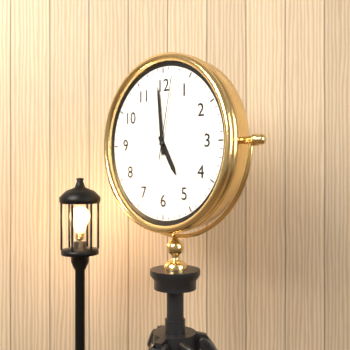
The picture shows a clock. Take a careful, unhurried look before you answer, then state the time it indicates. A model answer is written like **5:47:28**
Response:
**4:59:02**
